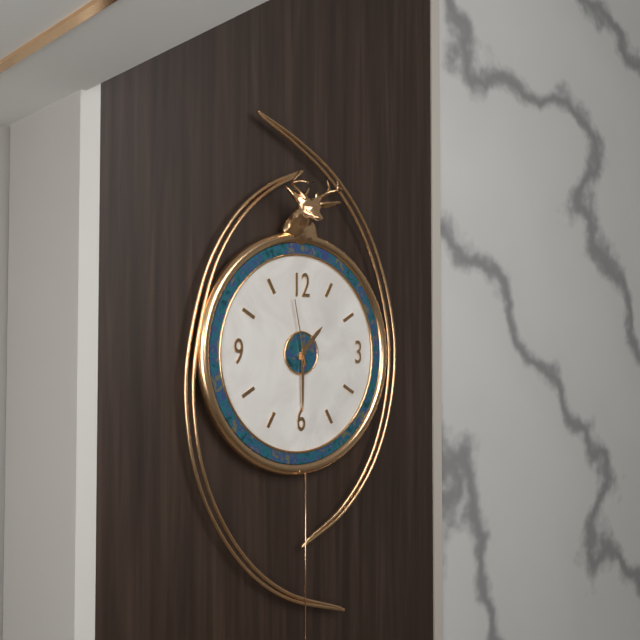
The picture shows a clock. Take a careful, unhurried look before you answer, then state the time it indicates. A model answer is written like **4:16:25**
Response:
**1:30:58**
